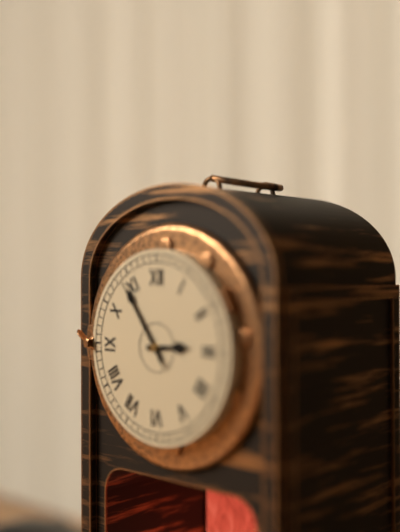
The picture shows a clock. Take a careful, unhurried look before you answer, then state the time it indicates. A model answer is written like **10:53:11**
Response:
**2:54:54**
